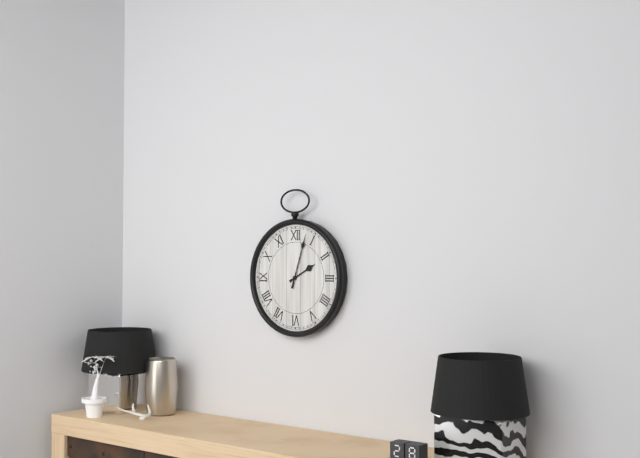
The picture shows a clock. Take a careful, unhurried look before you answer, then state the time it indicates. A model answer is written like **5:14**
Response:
**2:03**
